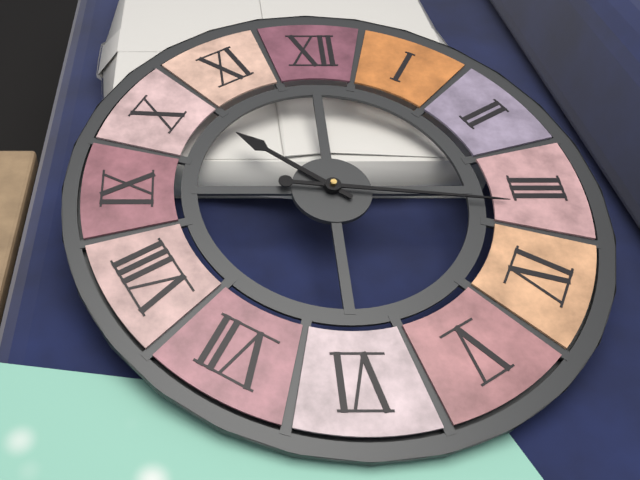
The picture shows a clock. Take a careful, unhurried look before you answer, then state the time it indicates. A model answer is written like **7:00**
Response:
**10:16**
